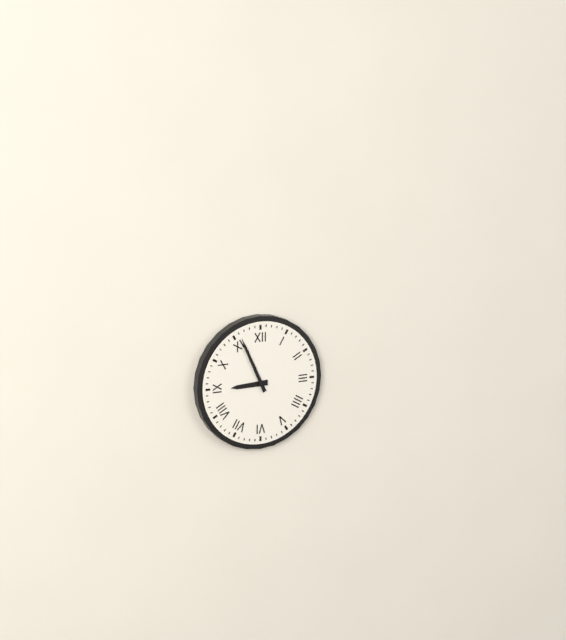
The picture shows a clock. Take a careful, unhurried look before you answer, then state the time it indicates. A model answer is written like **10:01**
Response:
**8:56**
